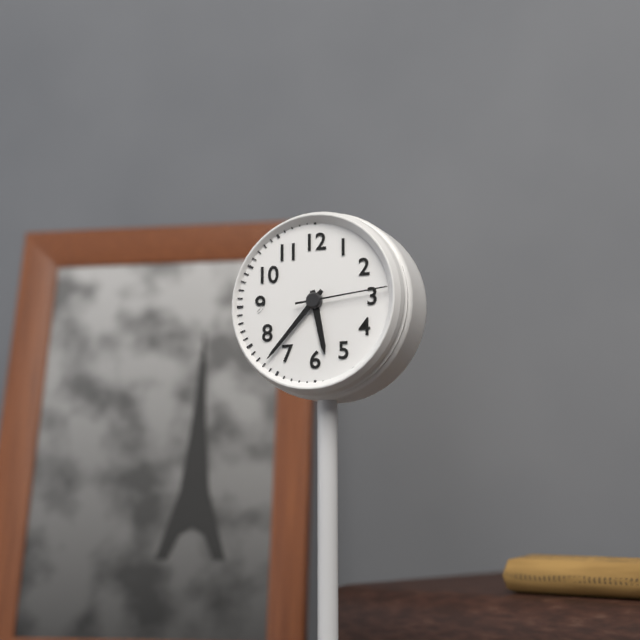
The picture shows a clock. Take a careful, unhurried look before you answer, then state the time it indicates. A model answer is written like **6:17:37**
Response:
**5:37:14**
